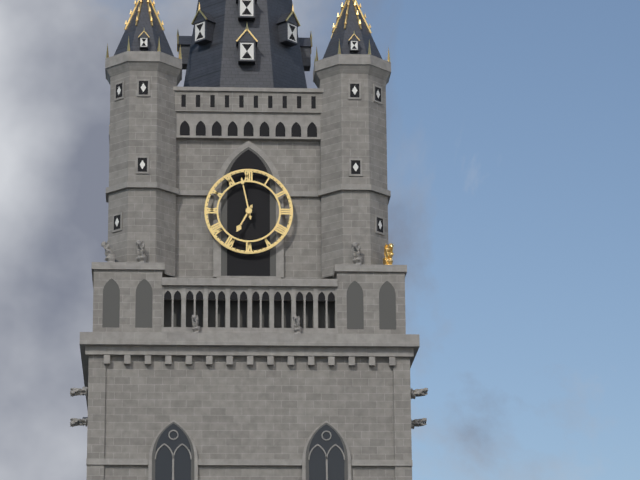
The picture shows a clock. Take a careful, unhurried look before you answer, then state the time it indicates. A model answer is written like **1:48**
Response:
**6:58**
